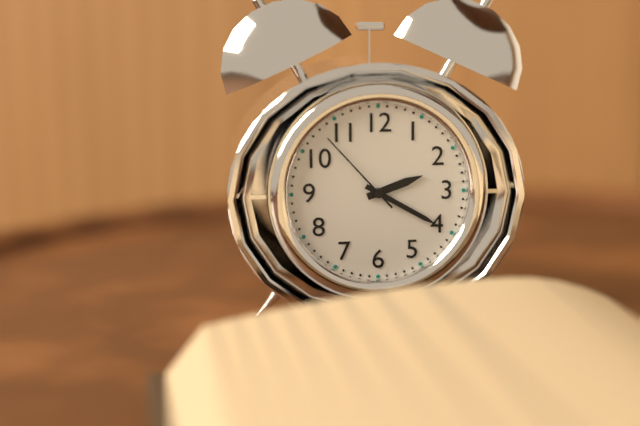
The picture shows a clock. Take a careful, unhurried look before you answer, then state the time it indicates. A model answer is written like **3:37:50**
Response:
**2:20:53**
